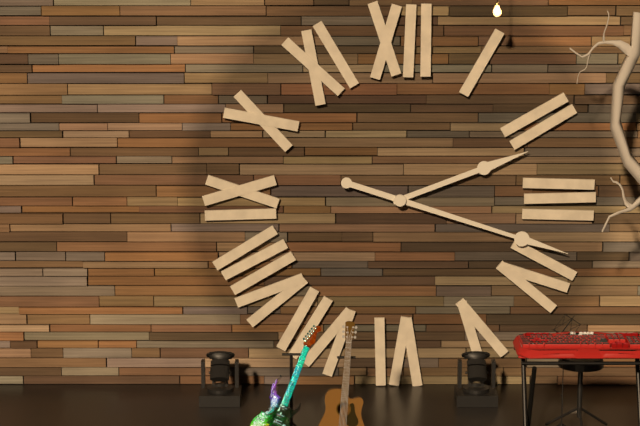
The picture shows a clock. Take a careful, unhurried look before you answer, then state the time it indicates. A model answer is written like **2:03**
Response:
**2:18**
